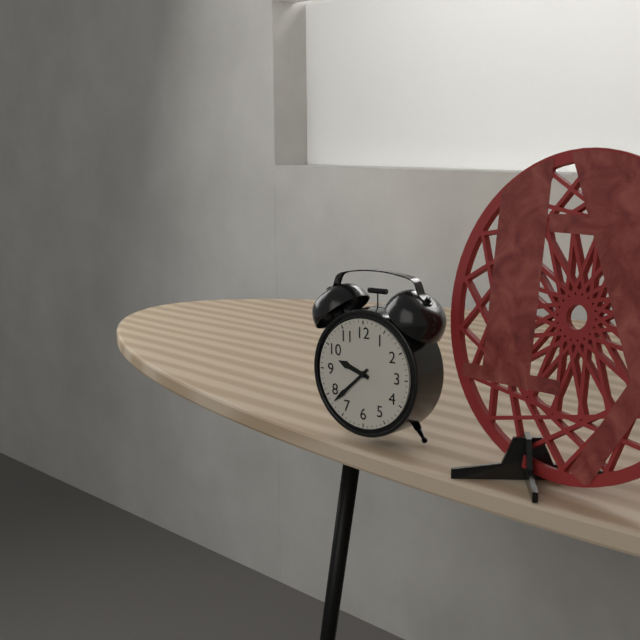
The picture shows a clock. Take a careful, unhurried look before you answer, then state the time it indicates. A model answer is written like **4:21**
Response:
**9:38**
